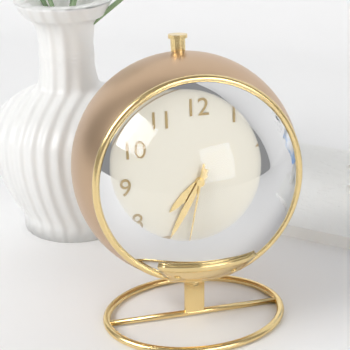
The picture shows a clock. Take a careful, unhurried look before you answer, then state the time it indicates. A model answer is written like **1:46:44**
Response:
**7:35:32**
